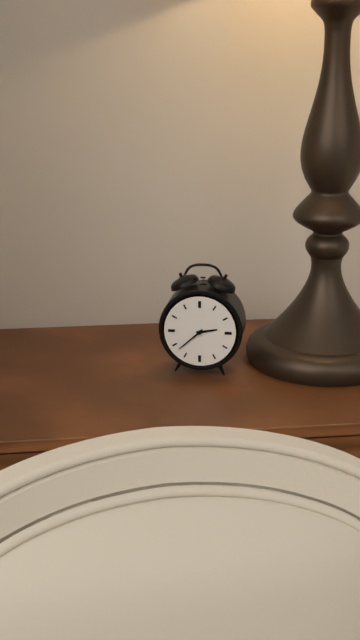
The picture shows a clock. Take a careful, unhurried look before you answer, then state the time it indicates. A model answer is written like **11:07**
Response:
**2:38**
